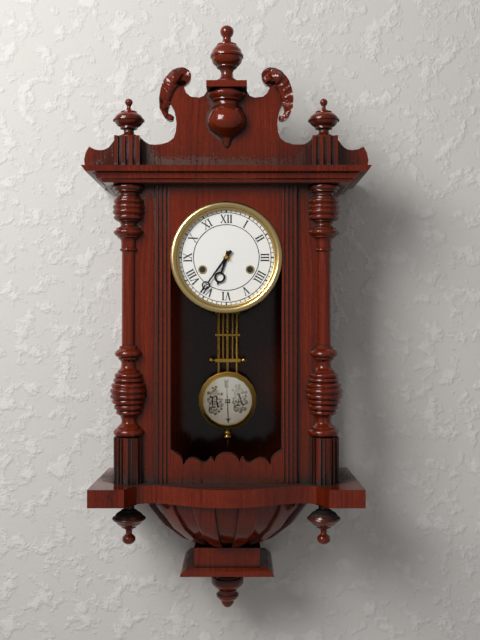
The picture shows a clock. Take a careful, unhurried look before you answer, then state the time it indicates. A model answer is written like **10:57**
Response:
**6:36**
